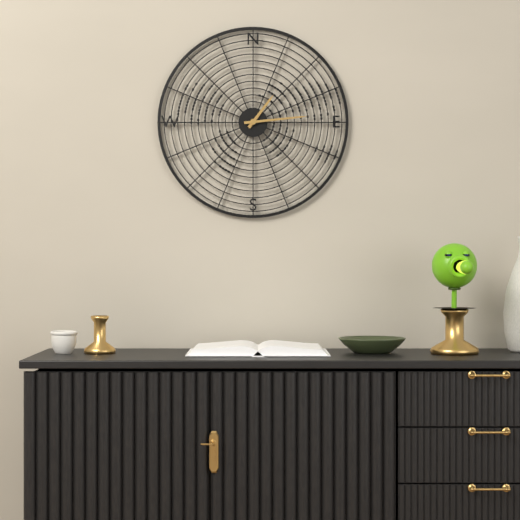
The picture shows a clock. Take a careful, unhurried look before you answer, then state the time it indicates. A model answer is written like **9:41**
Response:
**1:14**
